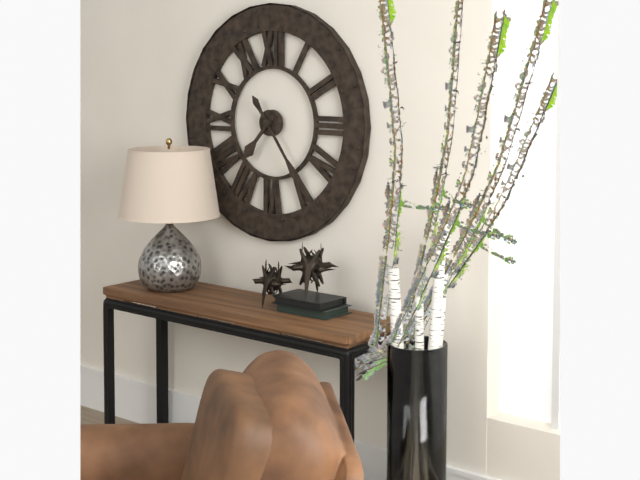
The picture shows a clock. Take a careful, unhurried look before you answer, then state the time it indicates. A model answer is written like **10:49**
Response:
**7:24**
